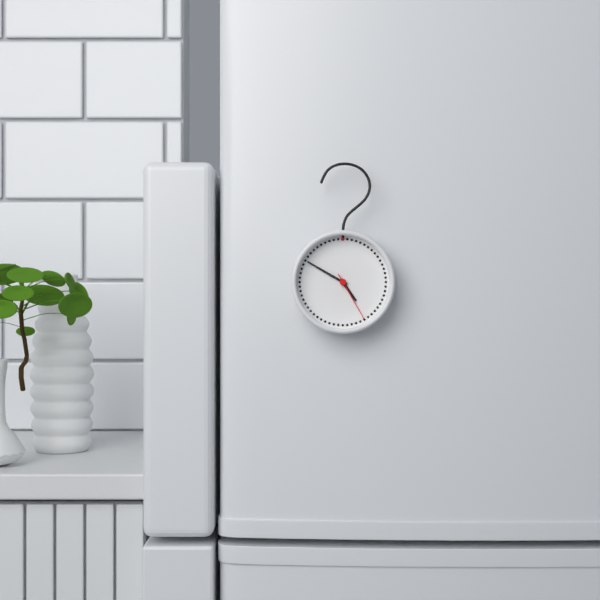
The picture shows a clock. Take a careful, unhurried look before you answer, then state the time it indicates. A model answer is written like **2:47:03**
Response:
**4:50:25**
